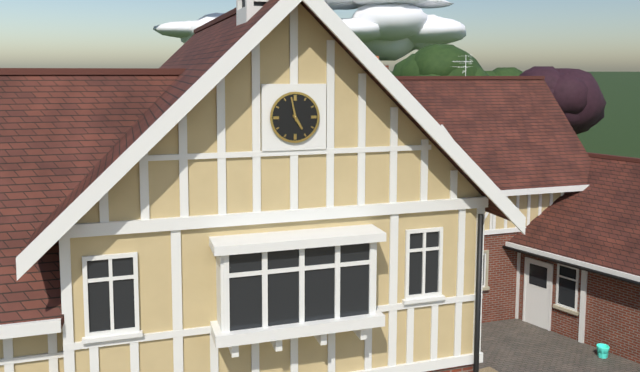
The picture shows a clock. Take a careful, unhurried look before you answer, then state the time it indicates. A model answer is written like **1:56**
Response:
**4:58**
